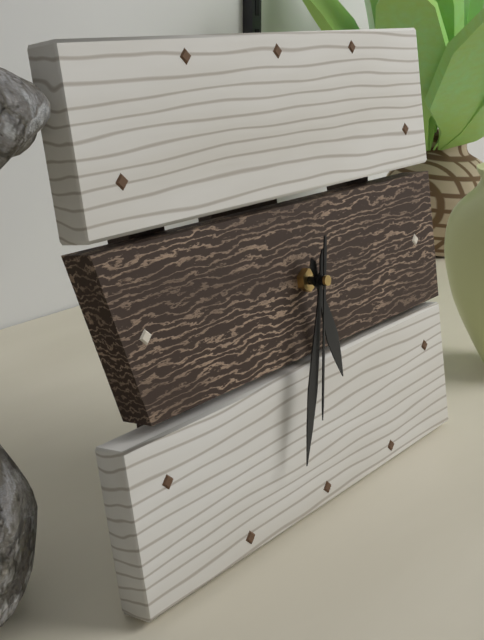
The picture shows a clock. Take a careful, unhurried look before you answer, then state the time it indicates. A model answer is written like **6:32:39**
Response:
**5:33:32**
